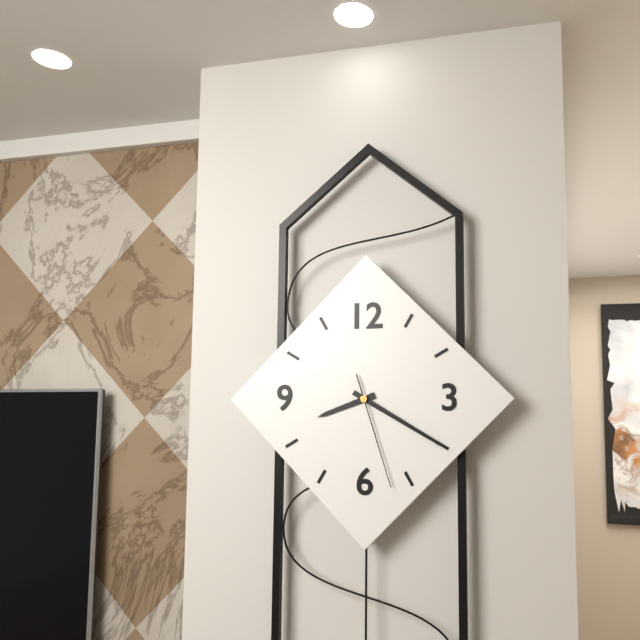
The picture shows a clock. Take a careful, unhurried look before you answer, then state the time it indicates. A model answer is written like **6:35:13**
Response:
**8:20:27**
